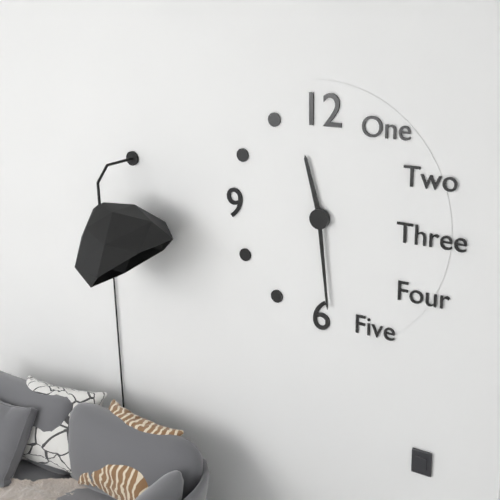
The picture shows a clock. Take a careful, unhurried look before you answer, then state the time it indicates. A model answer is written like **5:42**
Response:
**11:29**
